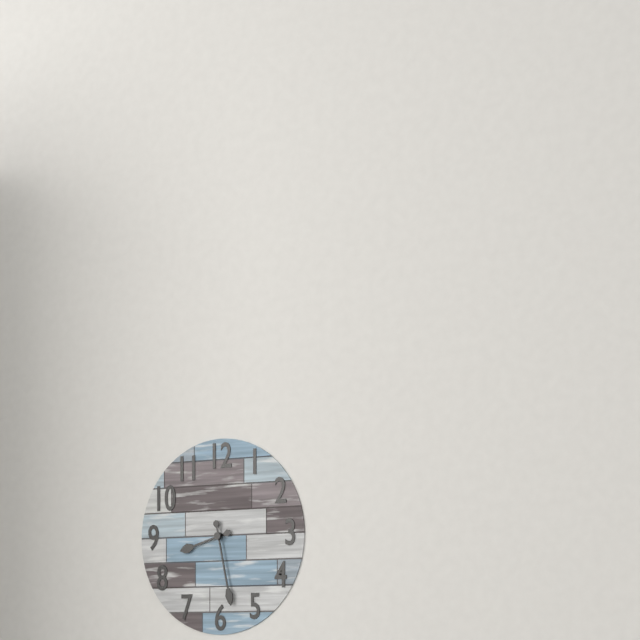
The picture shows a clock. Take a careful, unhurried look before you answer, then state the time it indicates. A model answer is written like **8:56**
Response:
**8:28**
